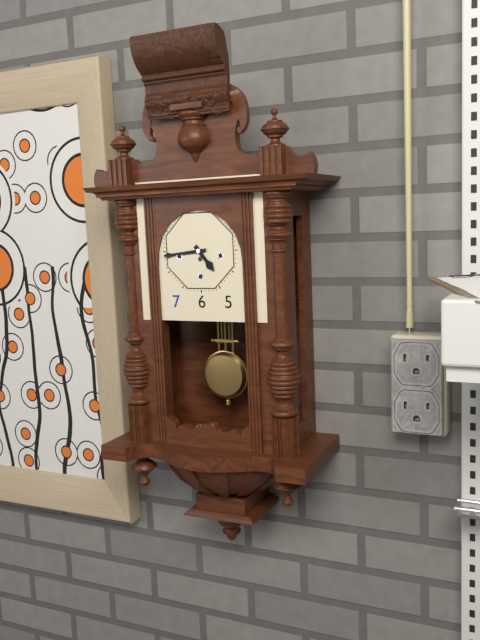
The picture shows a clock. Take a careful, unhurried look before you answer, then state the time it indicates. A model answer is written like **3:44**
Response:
**4:44**
